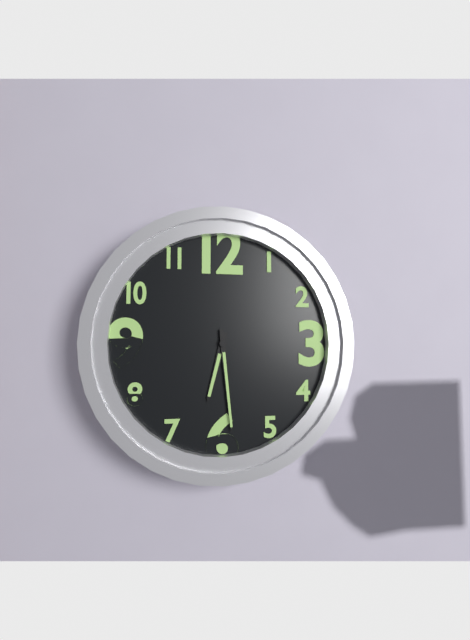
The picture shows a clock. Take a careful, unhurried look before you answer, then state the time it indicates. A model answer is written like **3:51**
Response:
**6:29**
